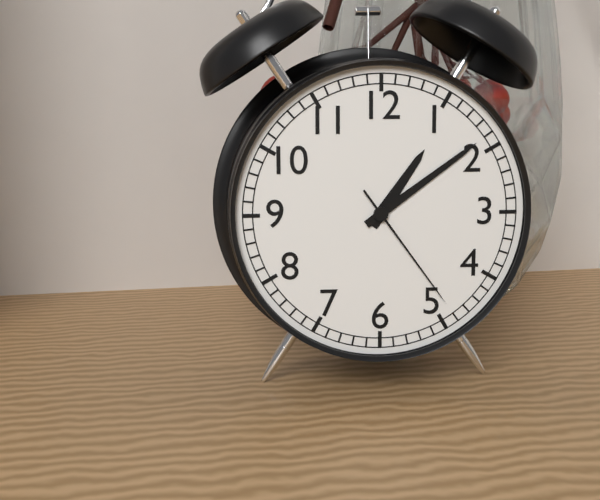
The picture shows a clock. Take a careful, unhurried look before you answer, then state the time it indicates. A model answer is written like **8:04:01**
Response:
**1:09:24**
